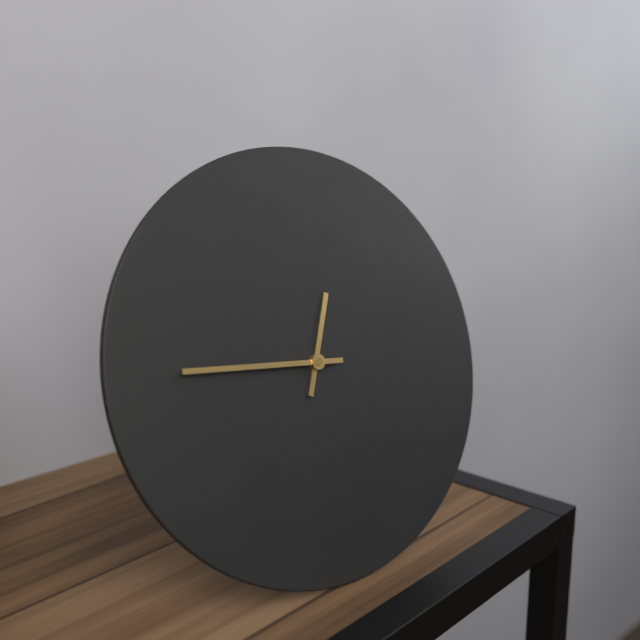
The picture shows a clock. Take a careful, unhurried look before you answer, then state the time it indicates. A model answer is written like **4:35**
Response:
**12:46**
